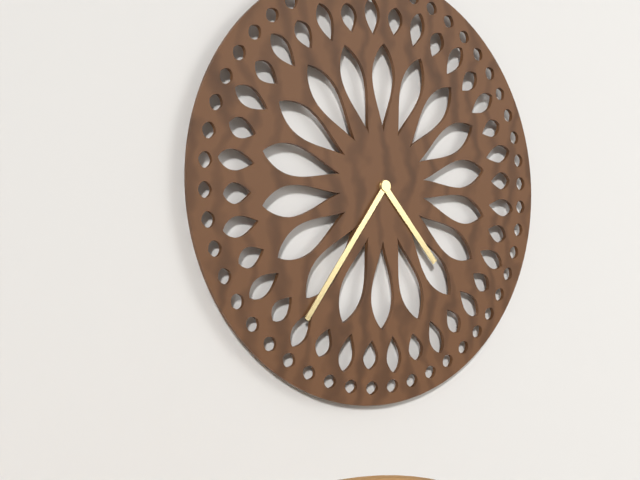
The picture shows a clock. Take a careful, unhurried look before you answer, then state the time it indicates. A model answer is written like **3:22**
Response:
**4:36**
